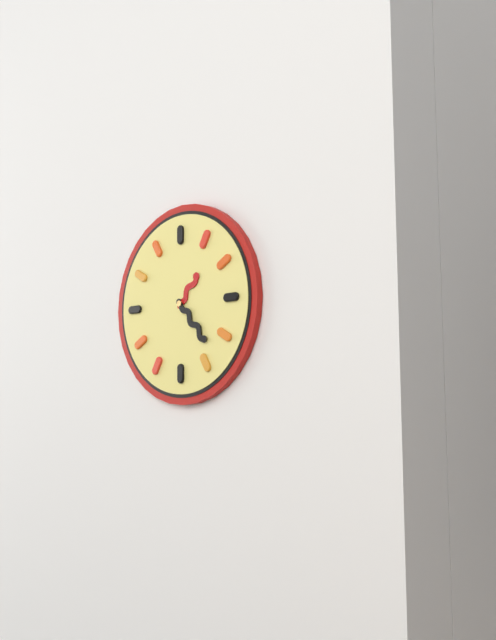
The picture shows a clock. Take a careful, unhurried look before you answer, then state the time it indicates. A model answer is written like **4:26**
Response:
**1:23**
